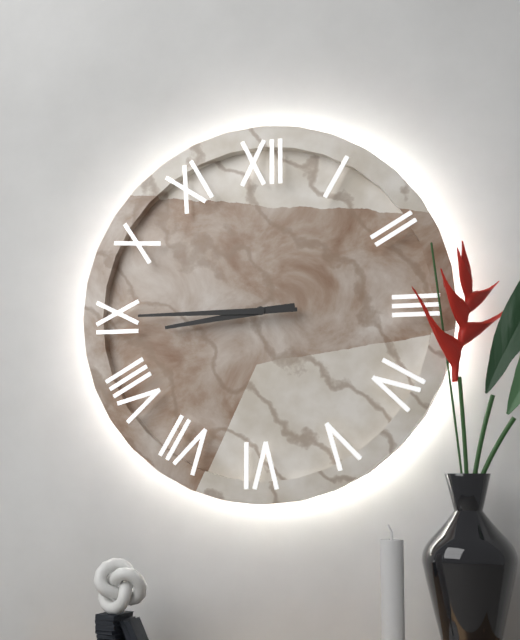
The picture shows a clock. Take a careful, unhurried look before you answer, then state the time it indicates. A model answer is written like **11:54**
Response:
**8:45**
